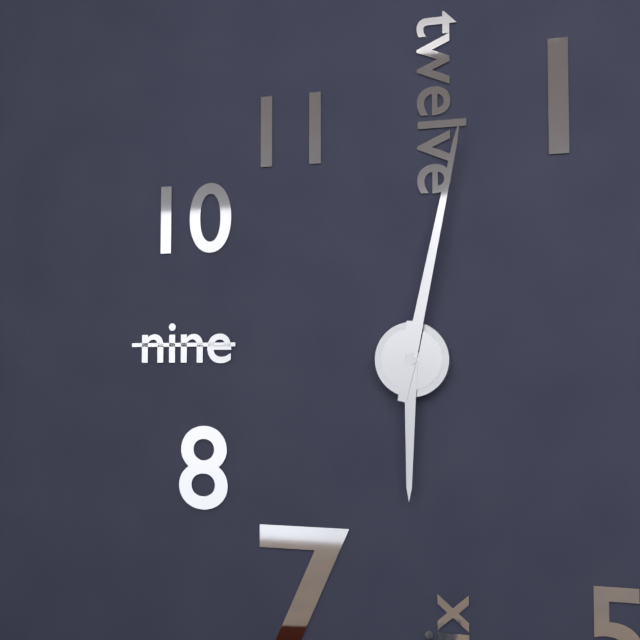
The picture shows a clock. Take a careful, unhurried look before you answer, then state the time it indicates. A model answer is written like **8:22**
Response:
**6:02**
